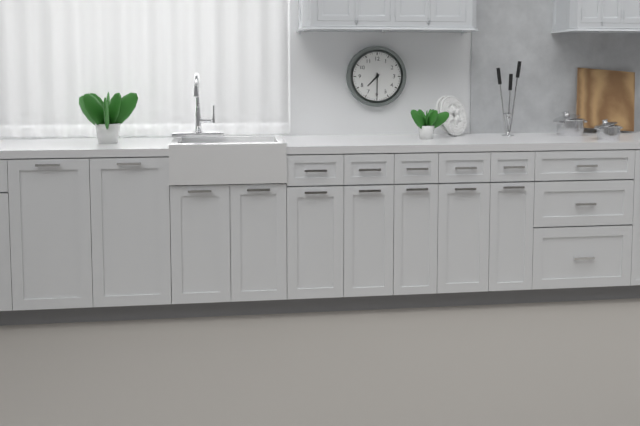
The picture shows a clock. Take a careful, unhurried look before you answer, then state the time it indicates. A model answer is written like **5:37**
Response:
**7:30**
